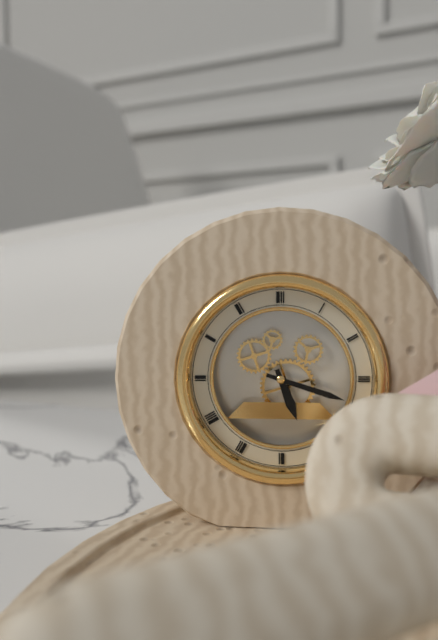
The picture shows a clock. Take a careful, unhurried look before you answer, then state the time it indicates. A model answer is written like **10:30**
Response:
**5:18**
